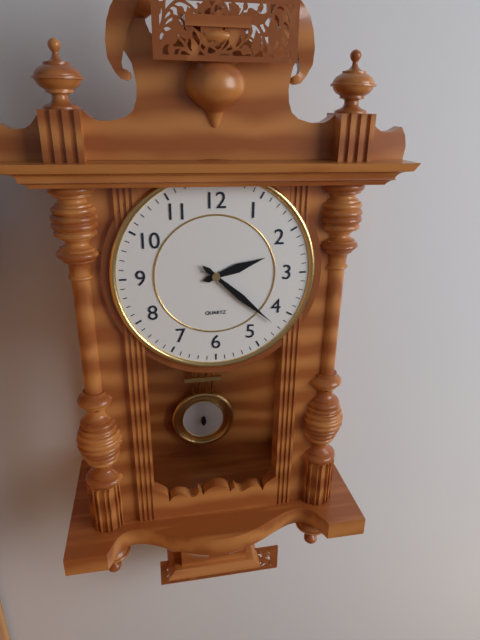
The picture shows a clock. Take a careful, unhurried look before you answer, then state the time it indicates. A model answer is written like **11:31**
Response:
**2:22**
